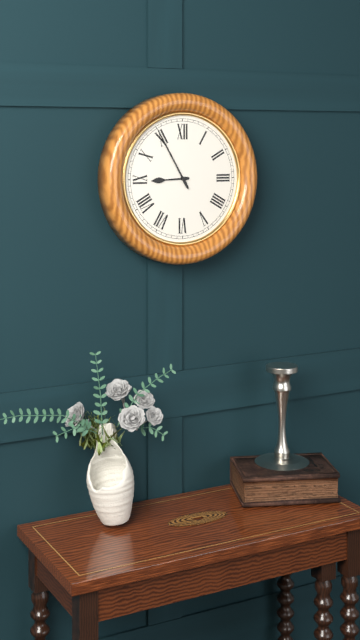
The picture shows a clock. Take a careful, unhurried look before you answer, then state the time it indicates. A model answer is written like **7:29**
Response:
**8:55**
